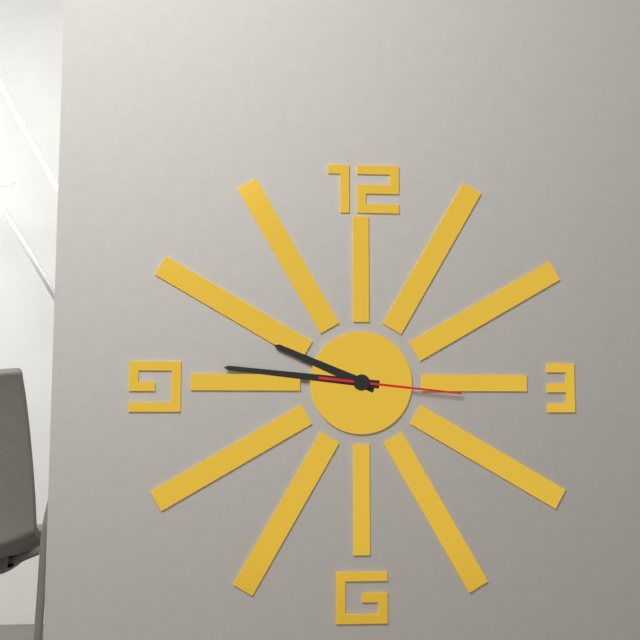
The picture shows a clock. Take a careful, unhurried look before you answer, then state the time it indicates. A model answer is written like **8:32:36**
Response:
**9:46:16**
